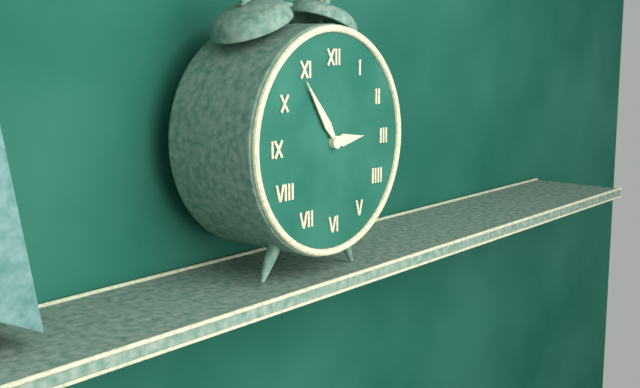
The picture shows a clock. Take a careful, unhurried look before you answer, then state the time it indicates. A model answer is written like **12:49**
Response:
**2:54**
